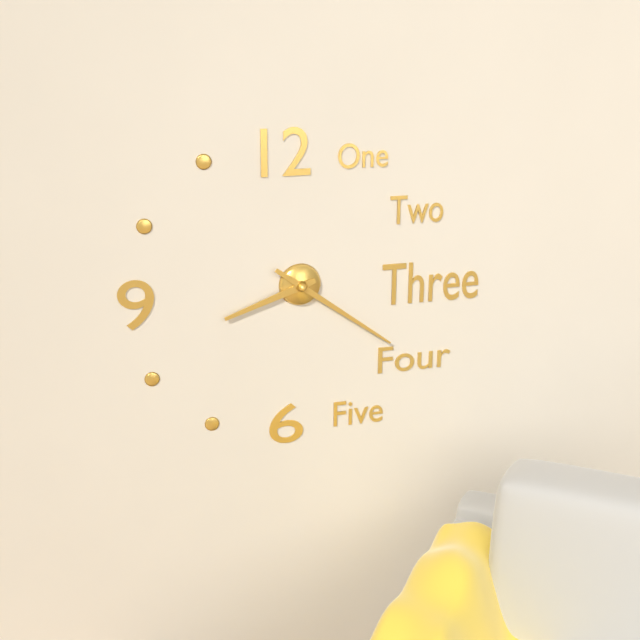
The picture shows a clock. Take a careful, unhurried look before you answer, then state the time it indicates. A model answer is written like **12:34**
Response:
**8:21**
